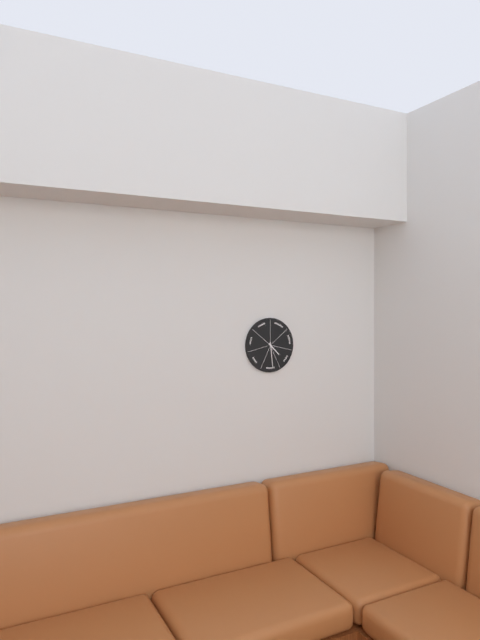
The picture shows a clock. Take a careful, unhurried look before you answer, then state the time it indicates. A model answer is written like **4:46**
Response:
**4:29**
